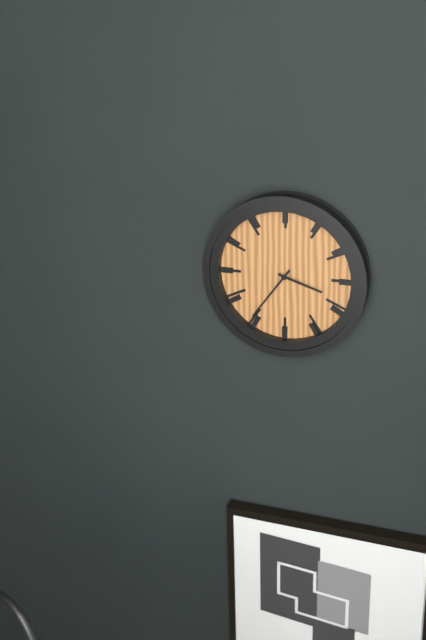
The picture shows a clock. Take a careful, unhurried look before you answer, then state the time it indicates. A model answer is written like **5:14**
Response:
**3:36**
